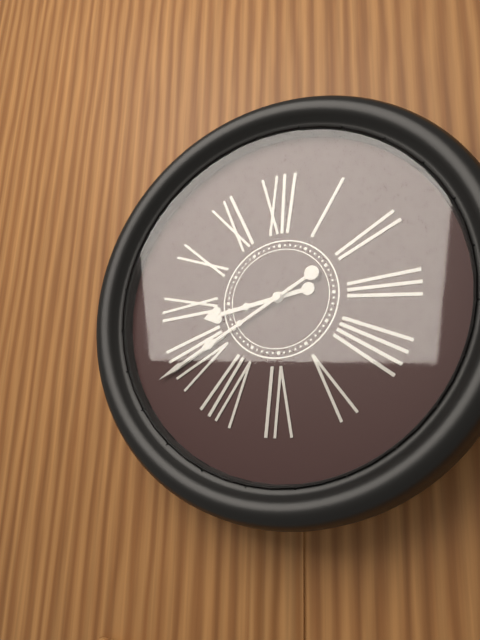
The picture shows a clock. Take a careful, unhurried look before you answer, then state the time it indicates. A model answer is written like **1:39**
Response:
**8:40**
